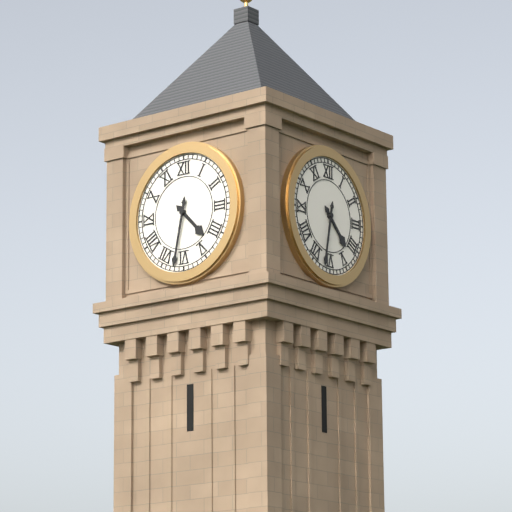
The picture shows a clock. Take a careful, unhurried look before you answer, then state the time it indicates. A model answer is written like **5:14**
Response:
**4:32**
